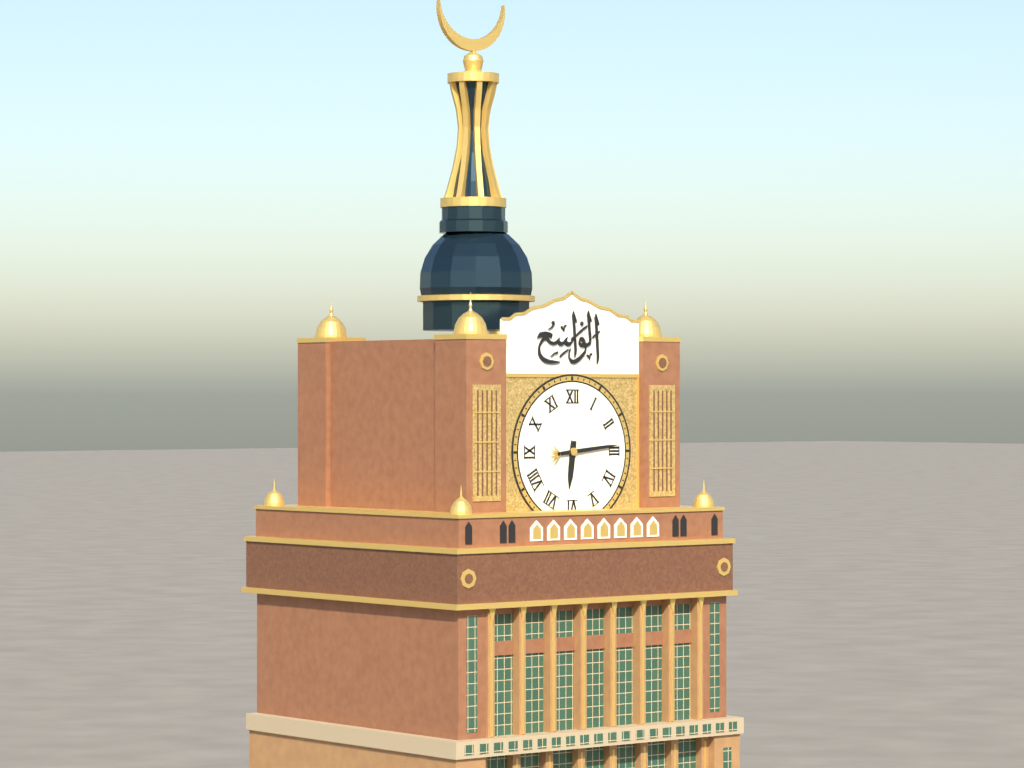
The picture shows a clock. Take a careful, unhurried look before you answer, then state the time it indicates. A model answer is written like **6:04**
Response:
**6:14**
